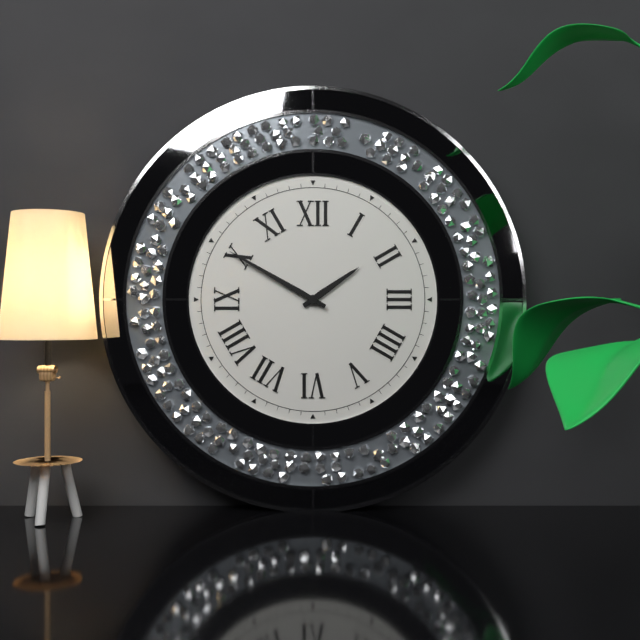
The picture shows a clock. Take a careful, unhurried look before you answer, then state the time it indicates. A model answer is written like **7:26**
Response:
**1:50**
